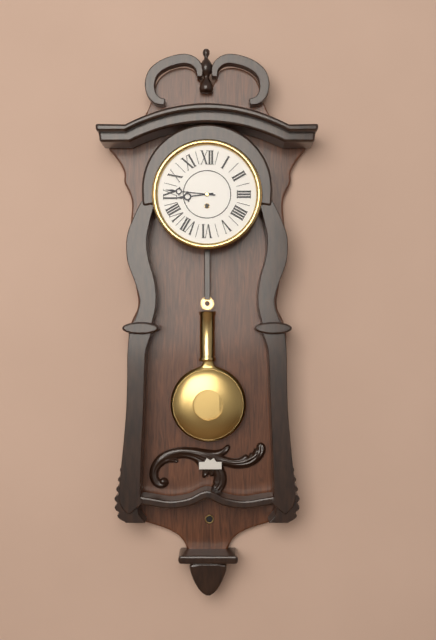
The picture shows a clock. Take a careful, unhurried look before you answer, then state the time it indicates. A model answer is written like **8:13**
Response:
**8:46**
